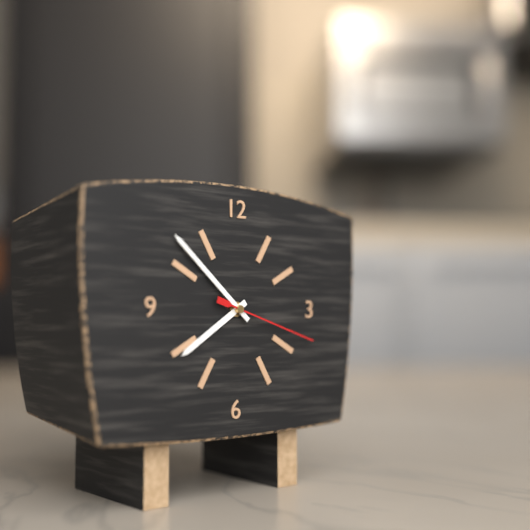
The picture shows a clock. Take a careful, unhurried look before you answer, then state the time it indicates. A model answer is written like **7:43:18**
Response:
**7:52:18**
